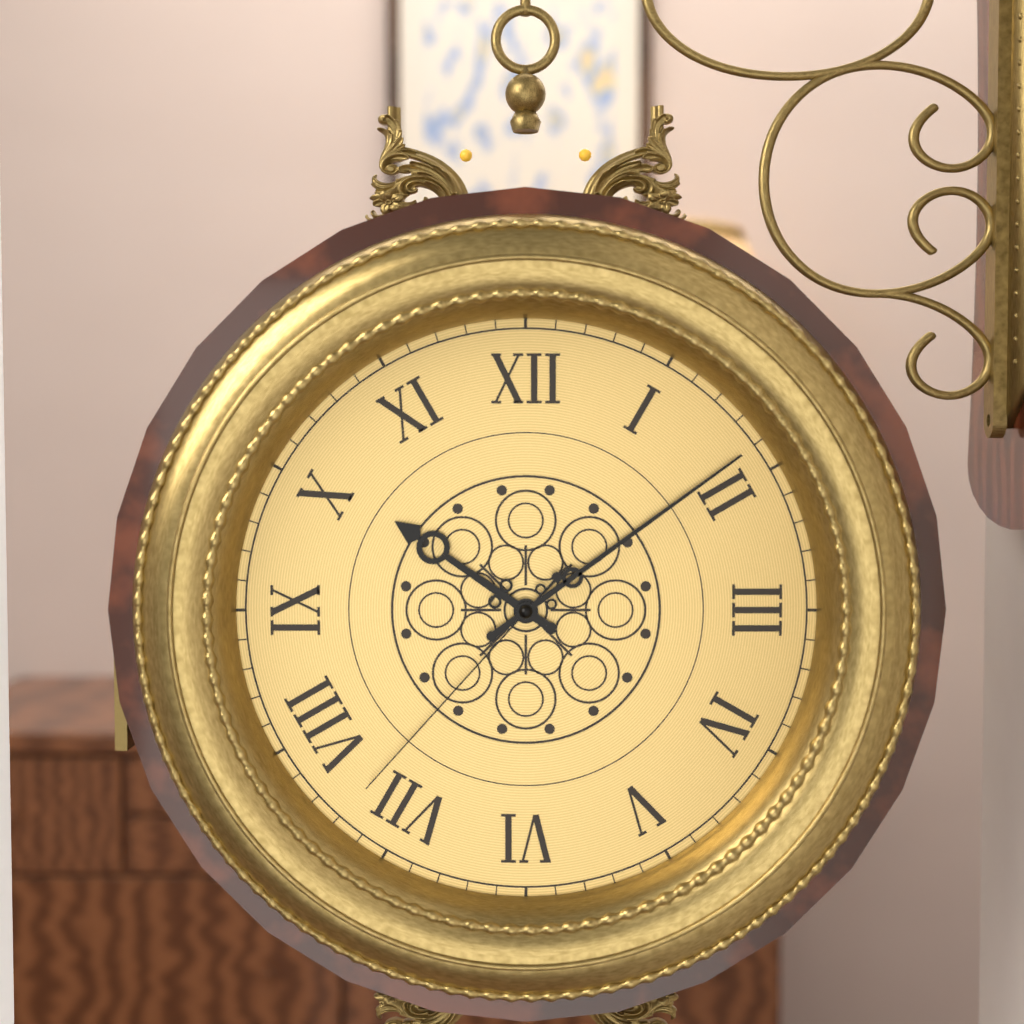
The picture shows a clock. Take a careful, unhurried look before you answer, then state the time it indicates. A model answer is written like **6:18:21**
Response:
**10:09:37**
